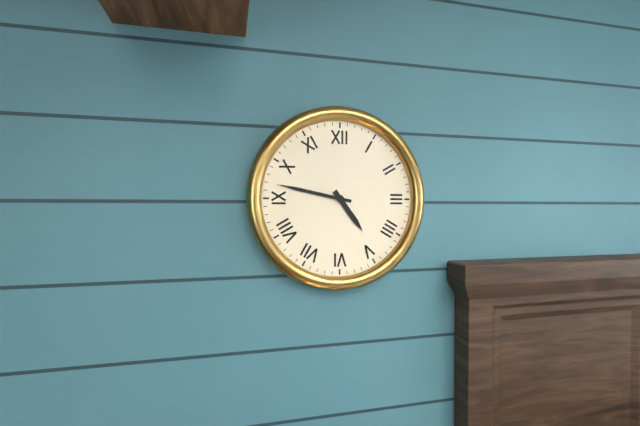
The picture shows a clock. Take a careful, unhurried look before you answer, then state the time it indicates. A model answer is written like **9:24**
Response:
**4:47**
